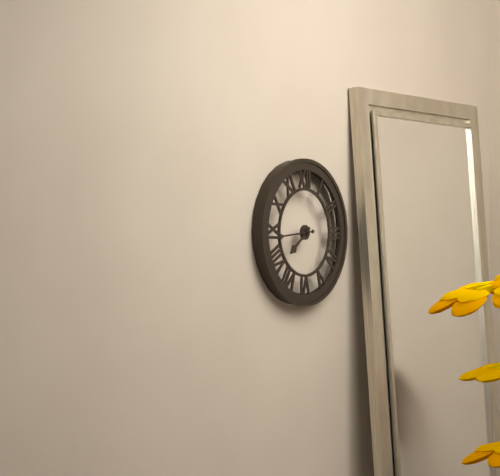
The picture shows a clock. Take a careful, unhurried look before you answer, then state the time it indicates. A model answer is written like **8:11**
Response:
**7:44**
